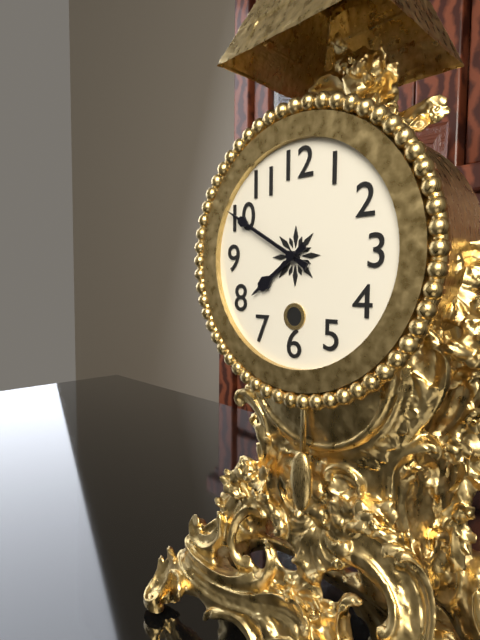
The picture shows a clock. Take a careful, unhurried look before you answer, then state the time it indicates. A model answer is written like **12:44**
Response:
**7:50**
